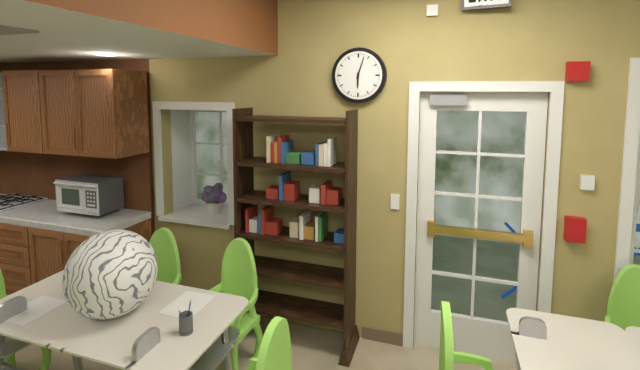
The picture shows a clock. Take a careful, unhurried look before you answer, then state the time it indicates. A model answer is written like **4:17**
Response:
**6:03**
